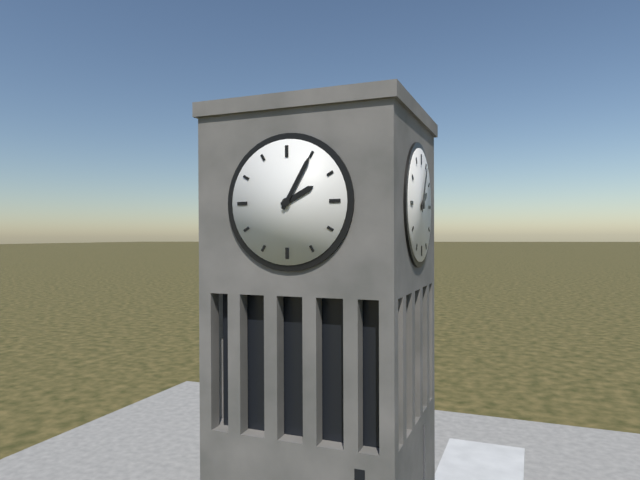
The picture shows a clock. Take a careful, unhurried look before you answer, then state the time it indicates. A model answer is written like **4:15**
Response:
**2:05**
